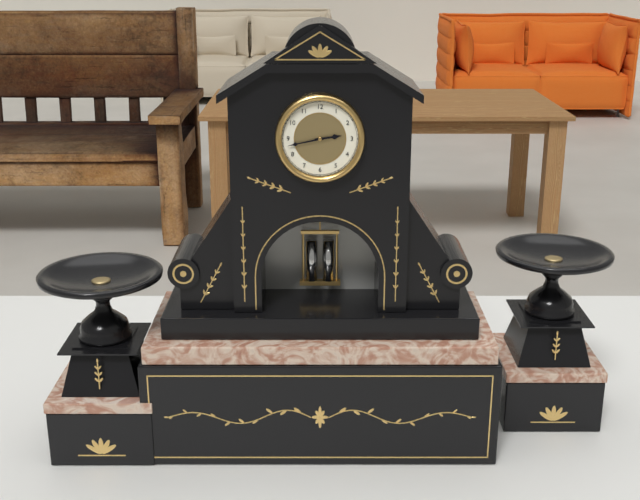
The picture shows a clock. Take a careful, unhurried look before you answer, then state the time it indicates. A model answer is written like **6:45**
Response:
**2:43**
